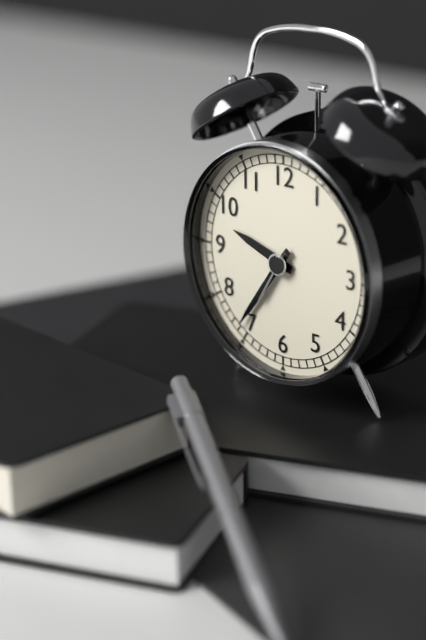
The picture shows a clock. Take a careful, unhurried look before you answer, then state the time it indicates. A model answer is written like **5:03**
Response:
**9:36**
